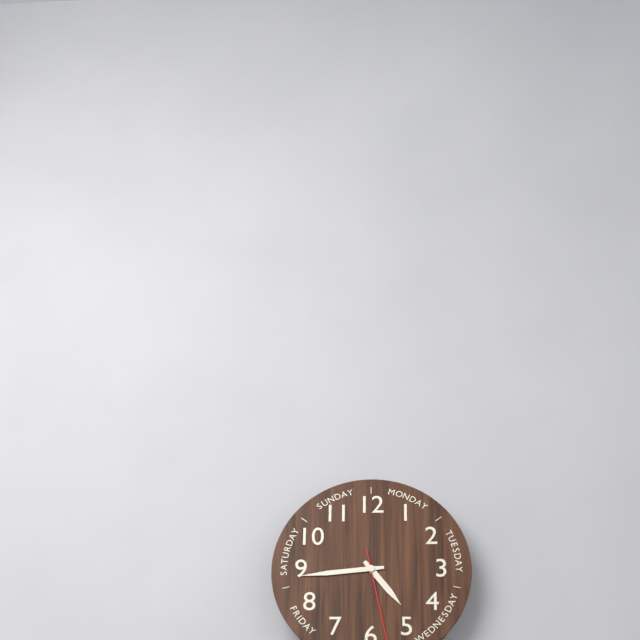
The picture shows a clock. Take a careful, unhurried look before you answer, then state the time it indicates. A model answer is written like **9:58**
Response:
**4:44**
